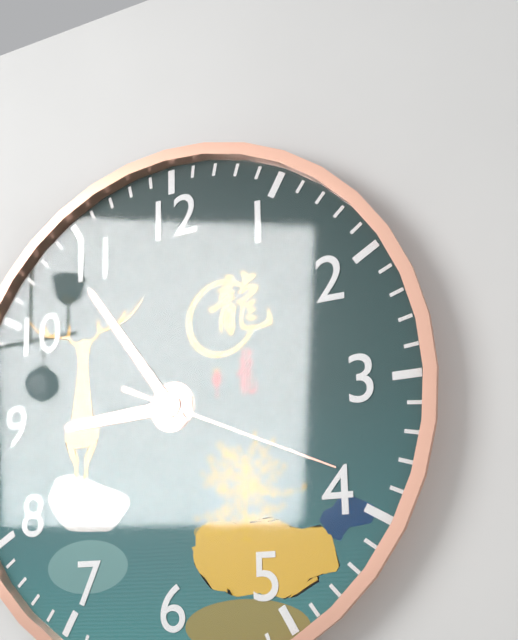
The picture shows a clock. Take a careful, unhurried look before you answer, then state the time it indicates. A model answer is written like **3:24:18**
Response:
**8:54:19**
